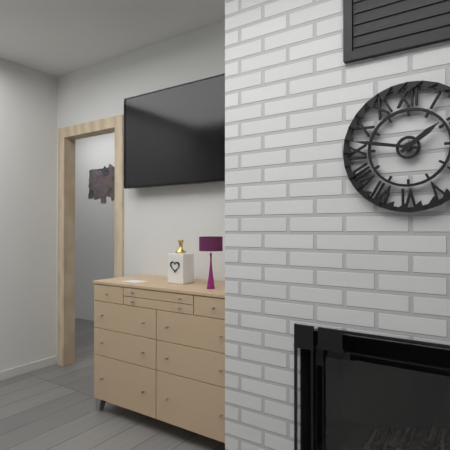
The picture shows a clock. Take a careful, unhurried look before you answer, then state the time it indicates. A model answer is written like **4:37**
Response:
**1:47**
